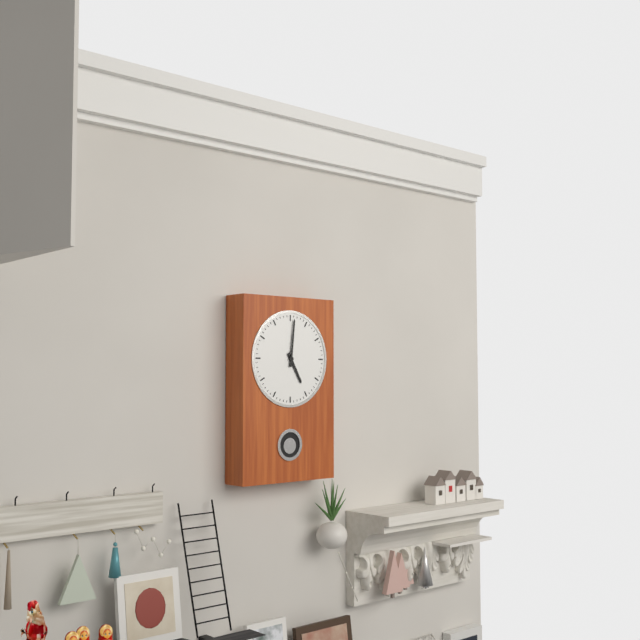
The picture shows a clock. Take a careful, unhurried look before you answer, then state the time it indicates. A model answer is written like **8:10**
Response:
**5:01**
